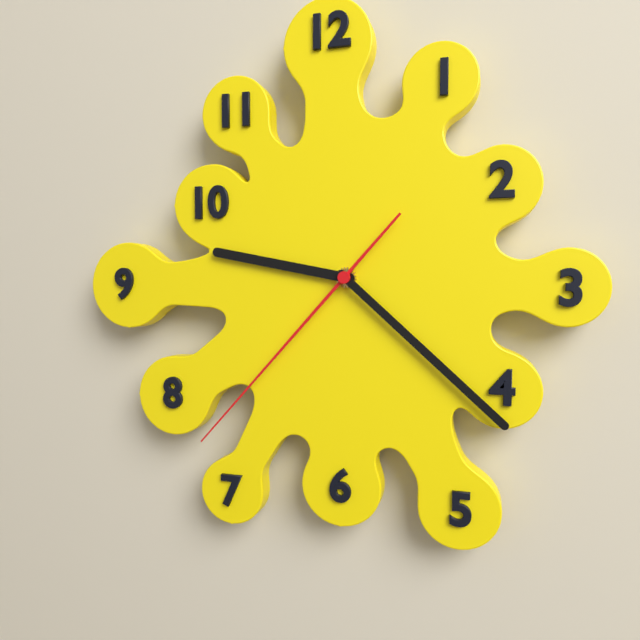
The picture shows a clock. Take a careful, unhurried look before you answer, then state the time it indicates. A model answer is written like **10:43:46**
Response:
**9:22:37**
